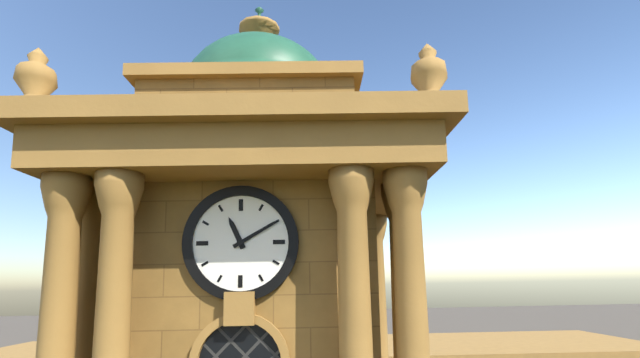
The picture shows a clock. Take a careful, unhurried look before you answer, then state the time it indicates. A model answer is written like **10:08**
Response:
**11:10**
